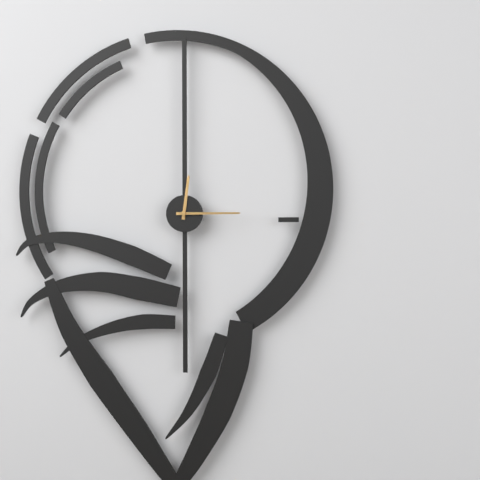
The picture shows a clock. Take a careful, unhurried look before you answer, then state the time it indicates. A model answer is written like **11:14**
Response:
**12:15**
